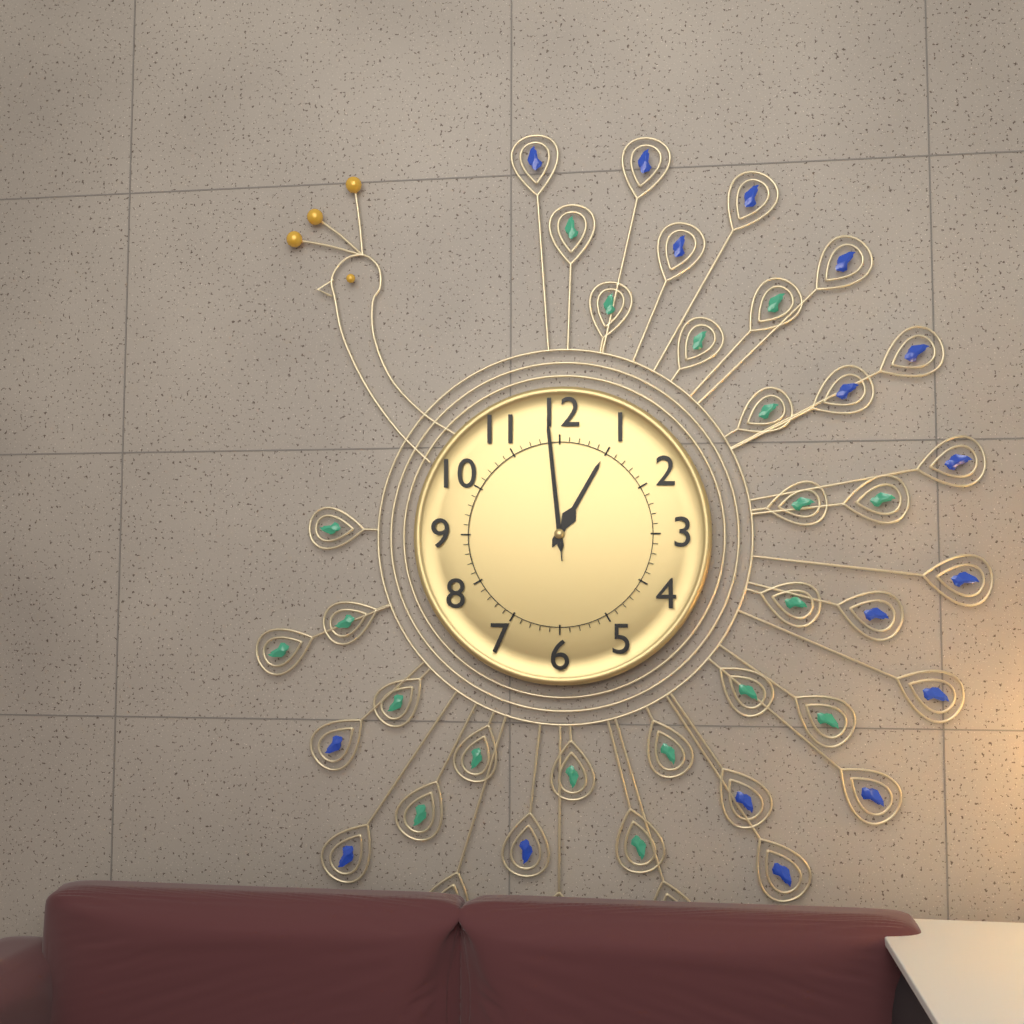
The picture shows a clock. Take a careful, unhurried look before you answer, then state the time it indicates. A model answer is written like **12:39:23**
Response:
**12:59:59**
